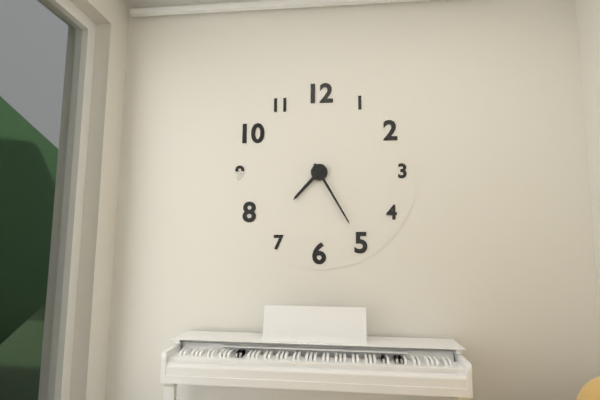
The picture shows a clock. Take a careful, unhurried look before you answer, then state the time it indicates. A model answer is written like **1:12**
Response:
**7:25**
